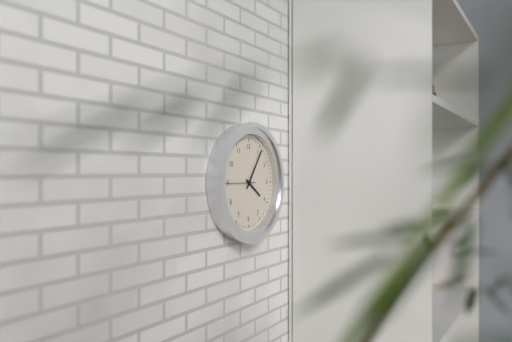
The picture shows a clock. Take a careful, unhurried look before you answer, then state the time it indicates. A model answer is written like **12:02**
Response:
**4:06**
